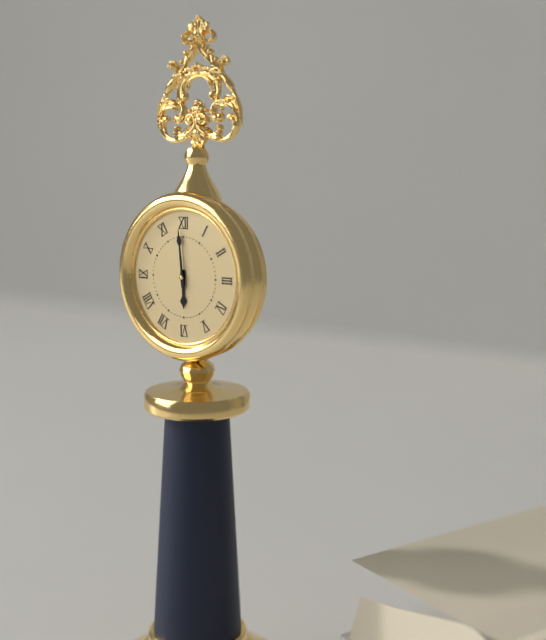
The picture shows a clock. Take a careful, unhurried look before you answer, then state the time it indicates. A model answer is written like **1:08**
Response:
**5:59**
